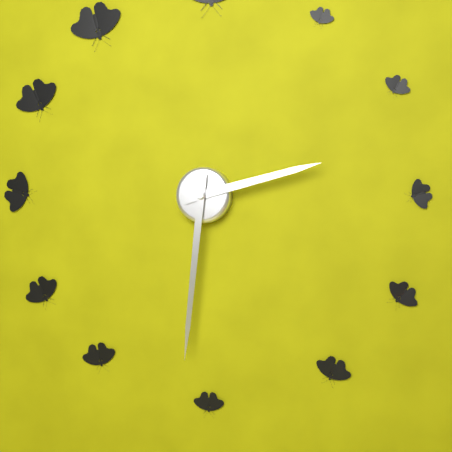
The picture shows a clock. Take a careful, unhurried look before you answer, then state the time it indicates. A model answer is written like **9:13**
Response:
**2:31**
